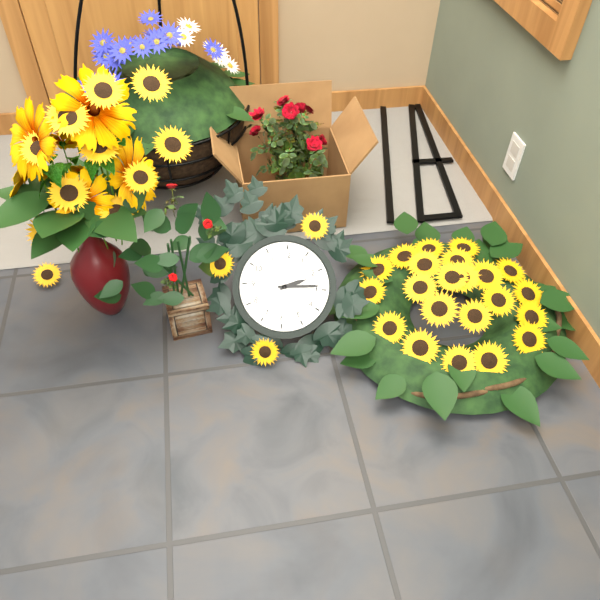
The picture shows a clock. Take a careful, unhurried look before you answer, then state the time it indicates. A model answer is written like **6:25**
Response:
**2:14**
